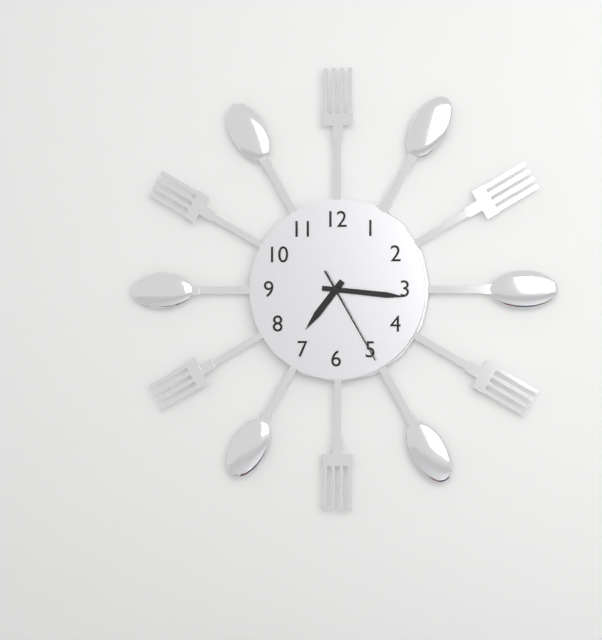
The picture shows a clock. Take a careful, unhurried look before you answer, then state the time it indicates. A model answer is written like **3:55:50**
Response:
**7:16:25**
